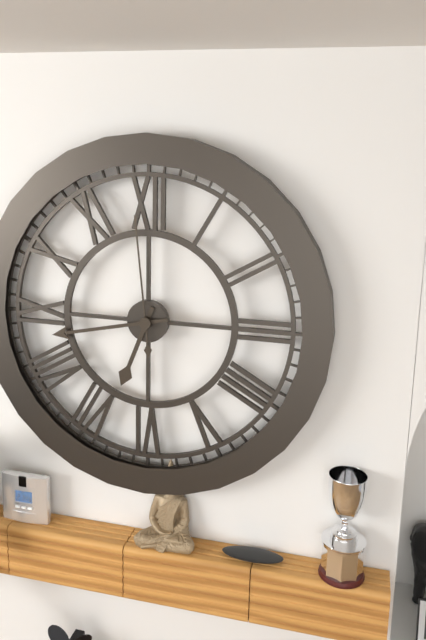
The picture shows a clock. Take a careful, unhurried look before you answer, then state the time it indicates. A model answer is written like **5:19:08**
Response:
**6:43:59**
